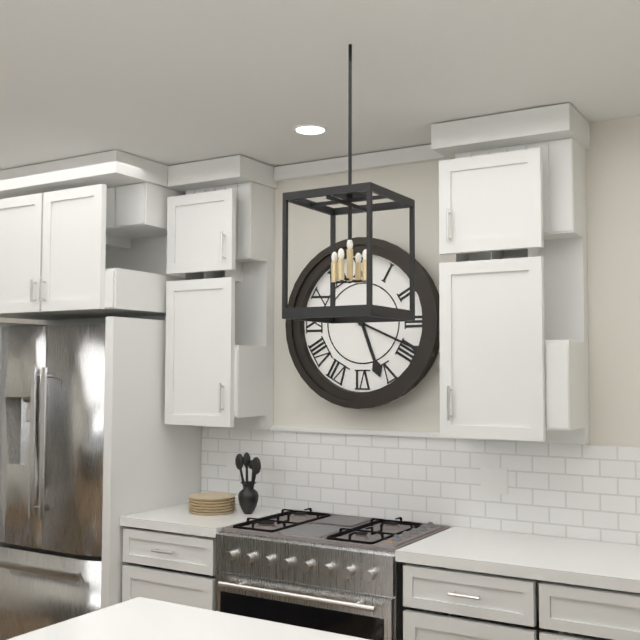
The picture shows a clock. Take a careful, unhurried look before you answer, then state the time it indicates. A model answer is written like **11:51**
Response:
**5:19**
